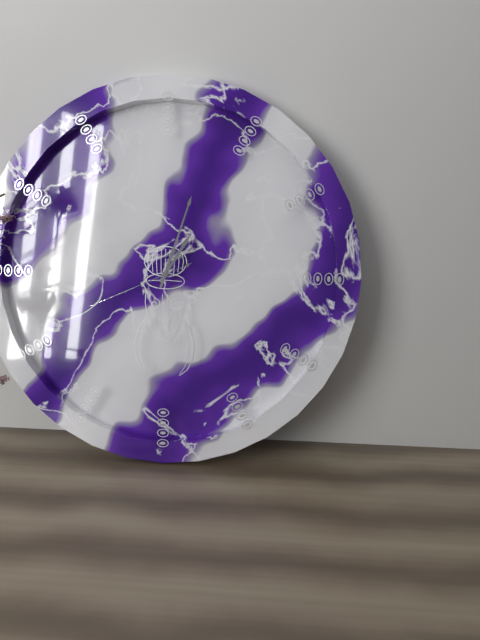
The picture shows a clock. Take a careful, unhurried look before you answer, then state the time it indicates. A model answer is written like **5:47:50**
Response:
**1:03:41**
